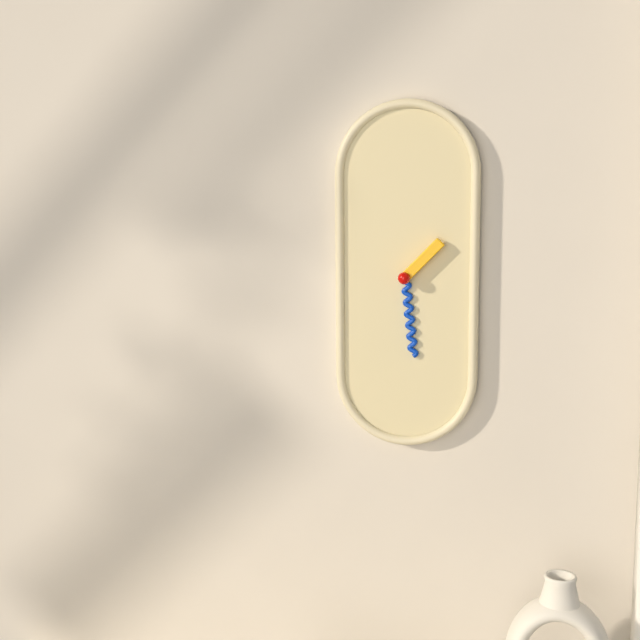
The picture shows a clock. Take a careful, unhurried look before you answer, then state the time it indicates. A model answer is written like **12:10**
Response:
**1:29**
